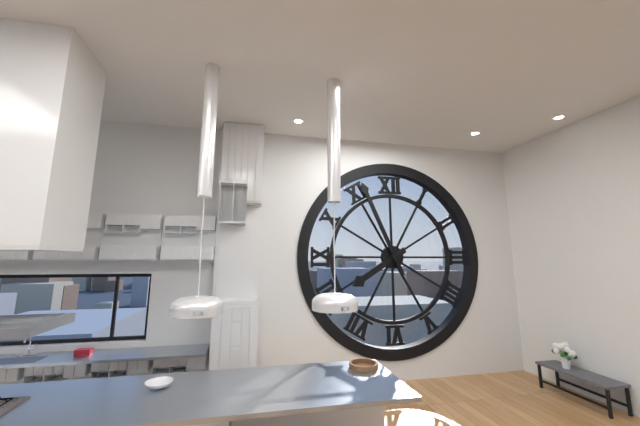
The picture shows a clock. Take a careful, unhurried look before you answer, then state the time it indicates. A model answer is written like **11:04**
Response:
**7:56**
